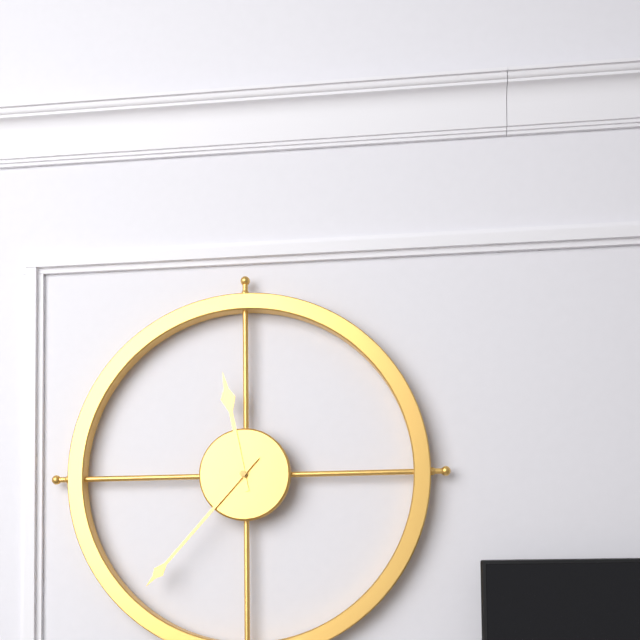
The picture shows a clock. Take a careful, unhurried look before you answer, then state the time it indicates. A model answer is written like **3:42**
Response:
**11:37**
